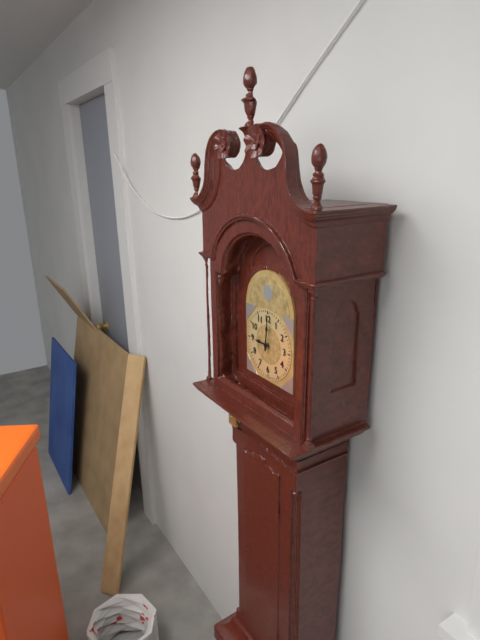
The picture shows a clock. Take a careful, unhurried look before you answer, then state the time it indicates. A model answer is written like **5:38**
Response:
**9:01**
